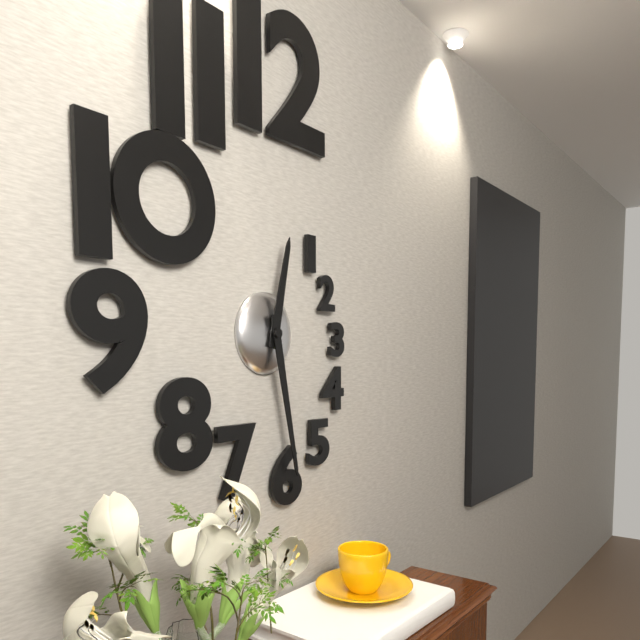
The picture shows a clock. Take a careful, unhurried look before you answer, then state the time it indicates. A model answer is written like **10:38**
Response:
**12:28**
